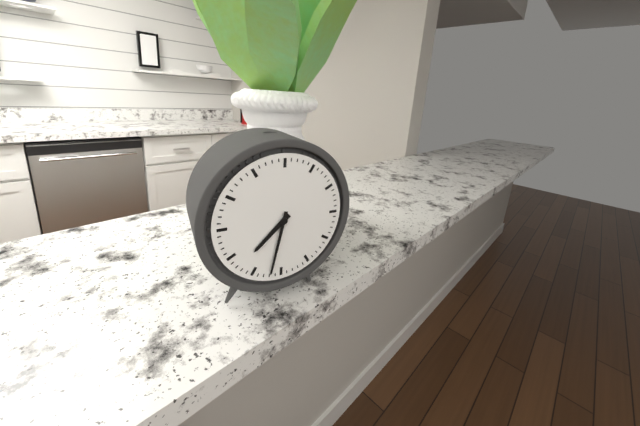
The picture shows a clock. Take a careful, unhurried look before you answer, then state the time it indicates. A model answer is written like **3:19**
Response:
**7:32**
